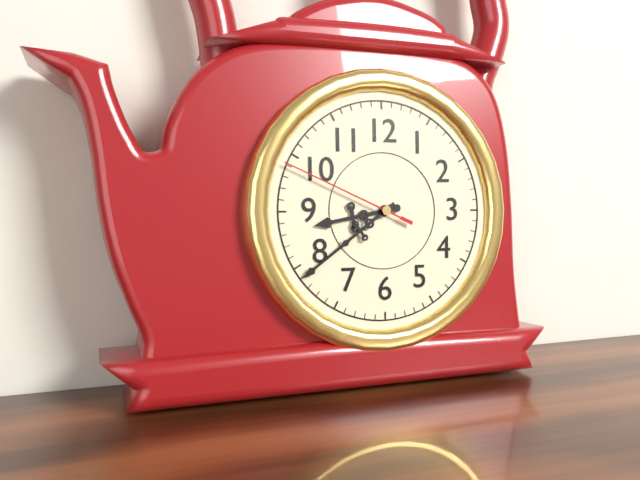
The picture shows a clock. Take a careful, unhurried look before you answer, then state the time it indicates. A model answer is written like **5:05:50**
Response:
**8:39:49**
